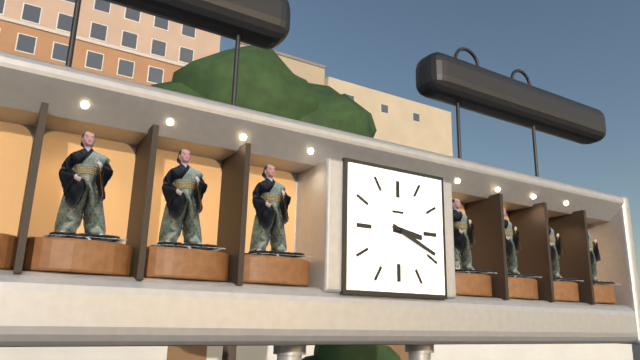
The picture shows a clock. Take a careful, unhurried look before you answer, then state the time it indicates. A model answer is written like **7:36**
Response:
**3:19**
